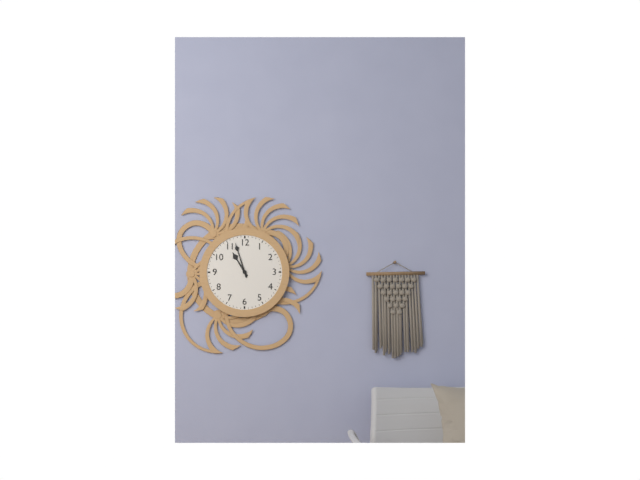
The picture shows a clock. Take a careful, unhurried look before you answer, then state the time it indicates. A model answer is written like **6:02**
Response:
**10:57**
